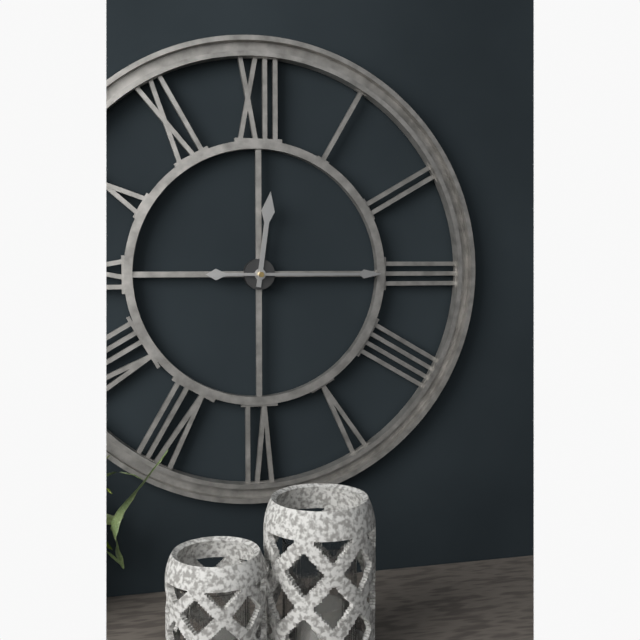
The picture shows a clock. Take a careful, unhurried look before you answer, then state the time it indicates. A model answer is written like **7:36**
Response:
**12:15**
